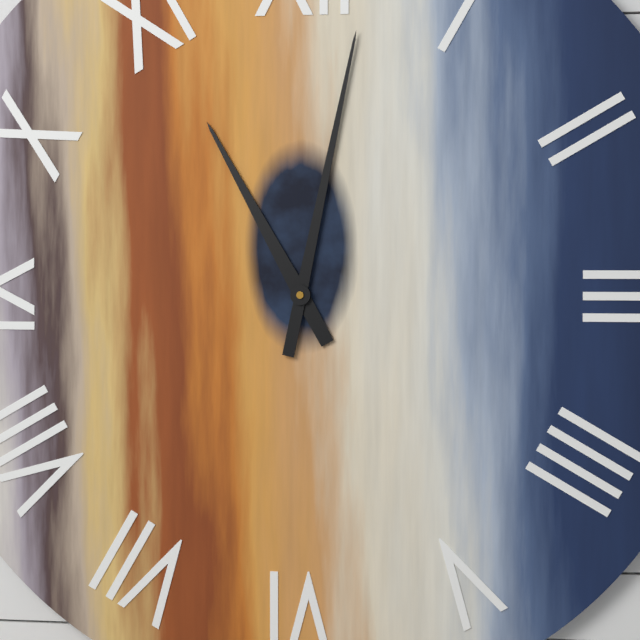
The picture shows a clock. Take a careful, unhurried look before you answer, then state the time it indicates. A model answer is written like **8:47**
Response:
**11:02**
